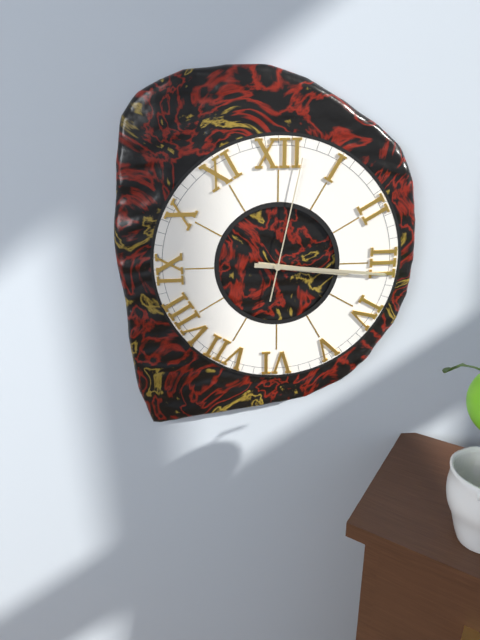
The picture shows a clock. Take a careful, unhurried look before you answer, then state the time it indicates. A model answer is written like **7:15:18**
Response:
**3:16:02**
